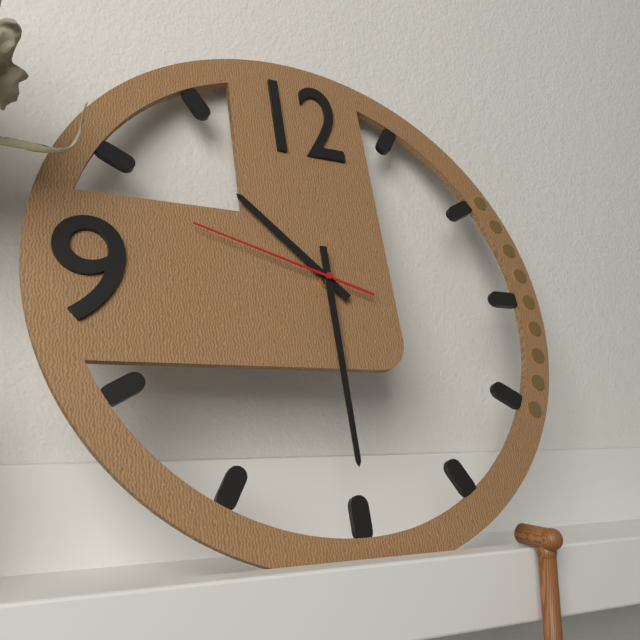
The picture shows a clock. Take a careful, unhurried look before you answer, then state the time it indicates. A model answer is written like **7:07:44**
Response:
**10:30:48**
